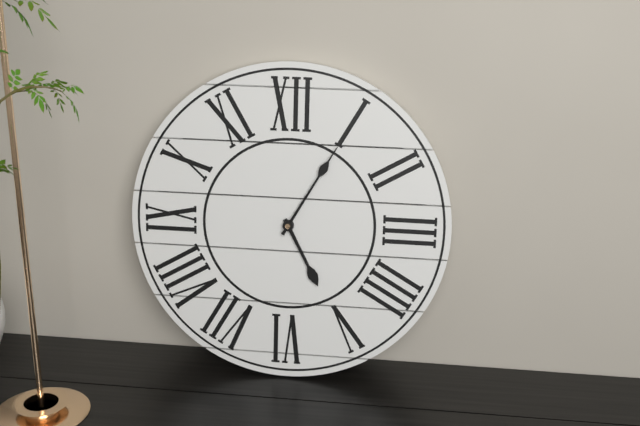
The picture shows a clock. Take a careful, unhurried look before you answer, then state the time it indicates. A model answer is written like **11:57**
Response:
**5:05**
